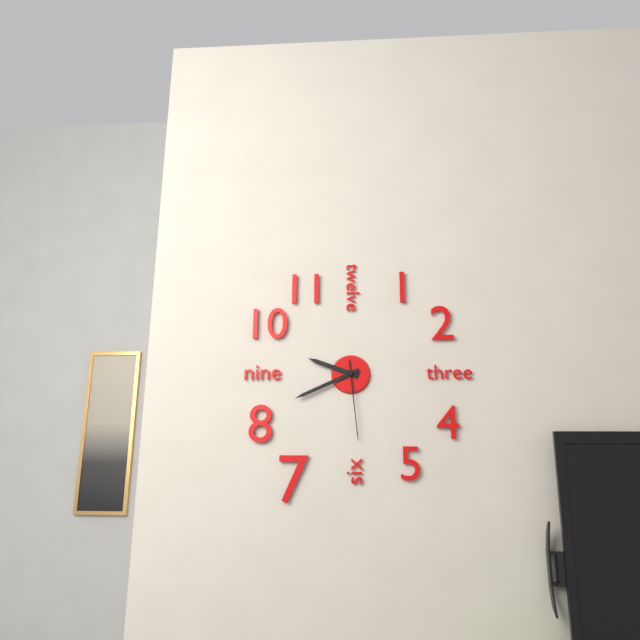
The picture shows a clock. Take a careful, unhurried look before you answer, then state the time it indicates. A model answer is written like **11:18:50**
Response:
**9:41:29**
